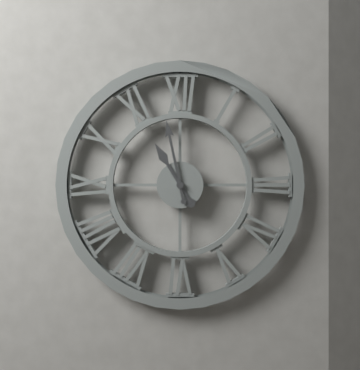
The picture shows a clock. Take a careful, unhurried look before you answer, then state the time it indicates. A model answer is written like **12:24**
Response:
**10:58**
